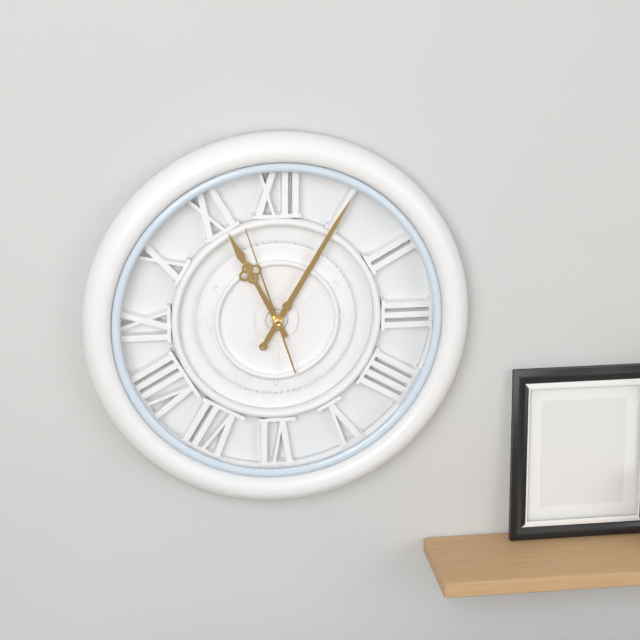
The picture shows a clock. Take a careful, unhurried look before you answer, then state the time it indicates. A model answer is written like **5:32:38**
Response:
**11:05:57**
